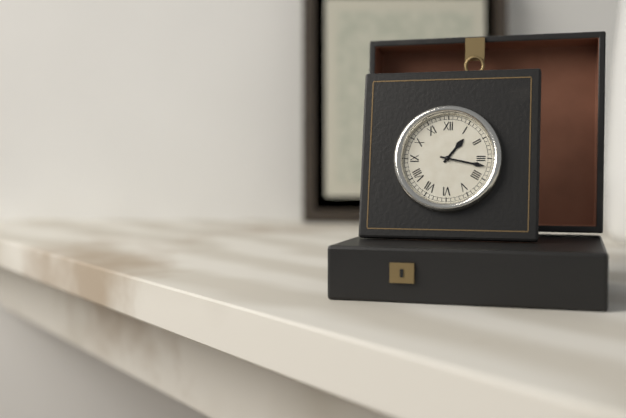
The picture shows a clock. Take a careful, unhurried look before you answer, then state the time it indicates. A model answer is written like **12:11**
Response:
**1:17**
